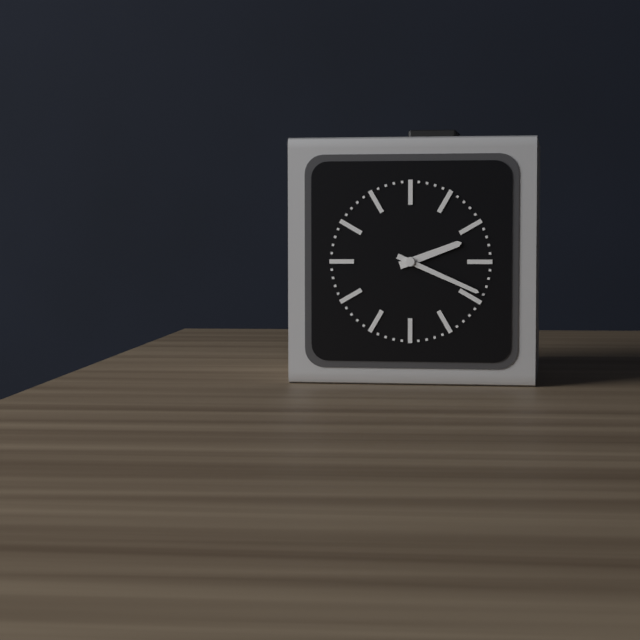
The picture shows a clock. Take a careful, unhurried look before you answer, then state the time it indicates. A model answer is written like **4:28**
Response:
**2:19**
